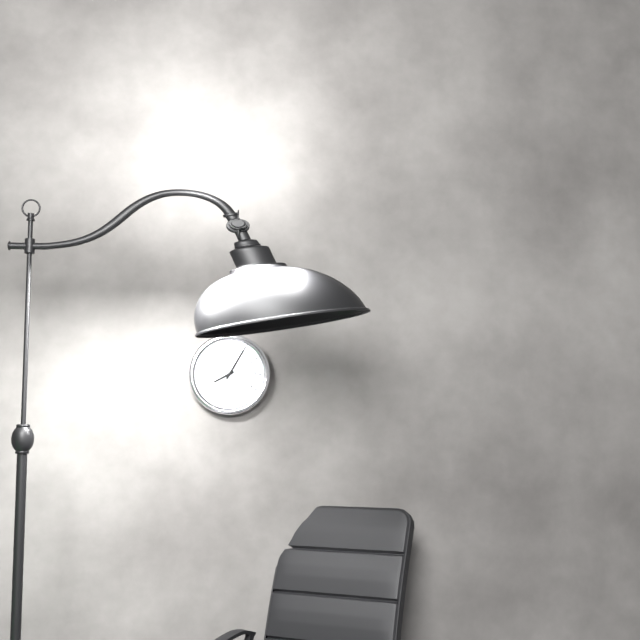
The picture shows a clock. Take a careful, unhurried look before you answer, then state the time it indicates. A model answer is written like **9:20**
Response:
**8:05**
